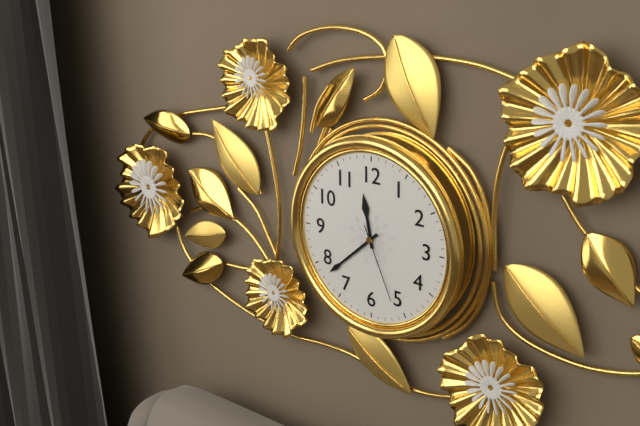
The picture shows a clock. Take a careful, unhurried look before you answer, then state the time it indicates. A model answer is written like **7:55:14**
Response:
**11:38:26**
